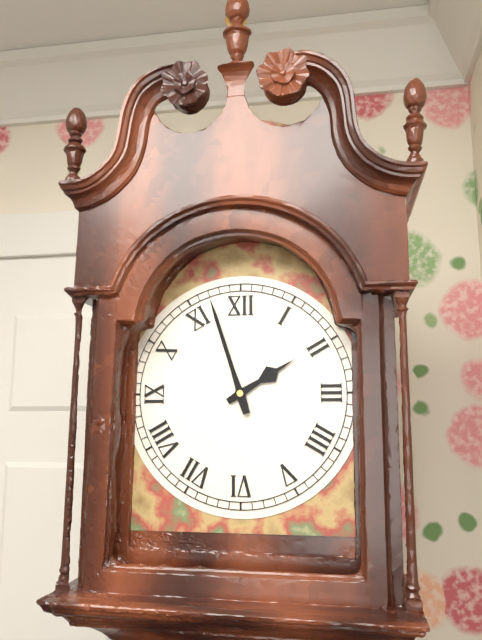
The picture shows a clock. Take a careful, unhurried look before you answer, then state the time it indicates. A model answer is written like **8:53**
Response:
**1:57**
